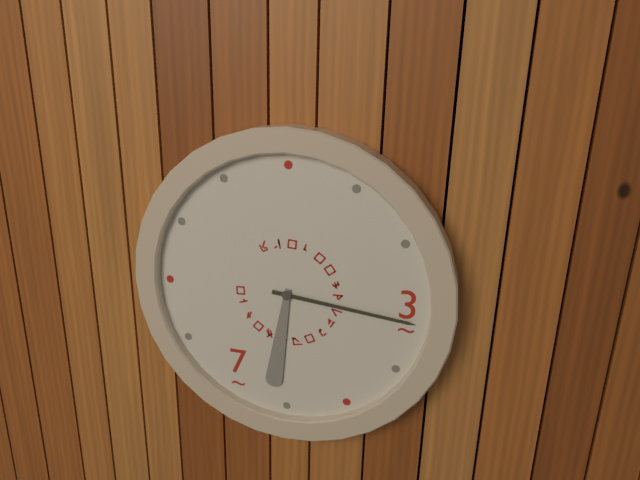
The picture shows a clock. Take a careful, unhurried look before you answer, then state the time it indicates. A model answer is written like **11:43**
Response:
**6:16**
